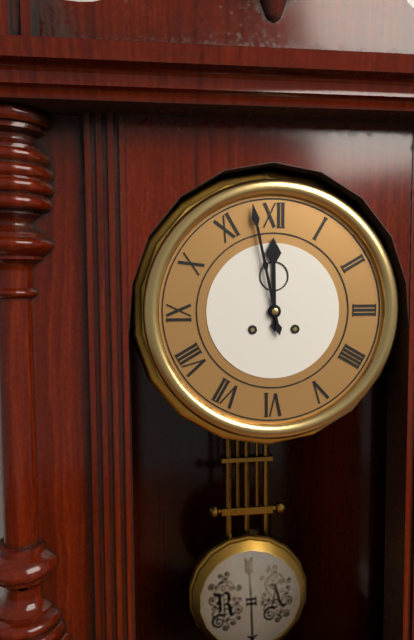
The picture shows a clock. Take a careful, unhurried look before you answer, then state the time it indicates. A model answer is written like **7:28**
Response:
**11:58**
